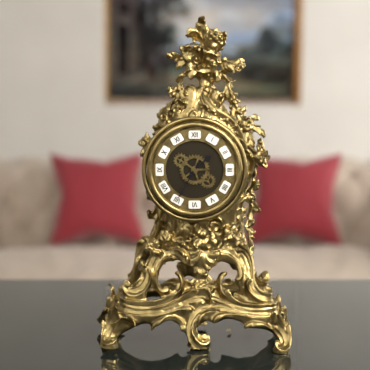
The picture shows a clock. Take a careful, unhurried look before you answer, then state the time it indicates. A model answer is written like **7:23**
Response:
**1:35**
